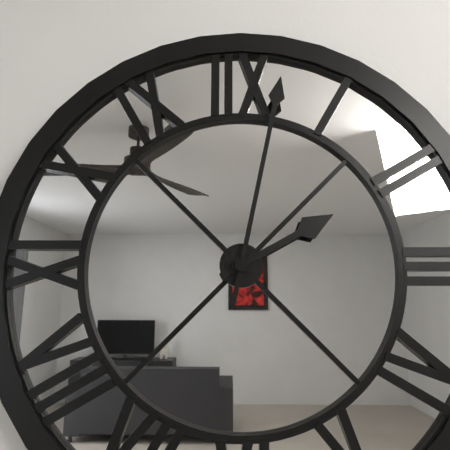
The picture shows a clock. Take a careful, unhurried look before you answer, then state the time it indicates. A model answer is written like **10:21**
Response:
**2:02**
